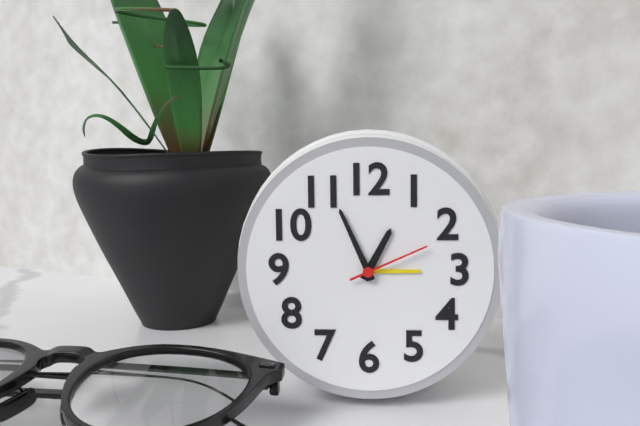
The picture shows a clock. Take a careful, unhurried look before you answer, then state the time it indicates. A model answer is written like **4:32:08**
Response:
**12:56:11**
